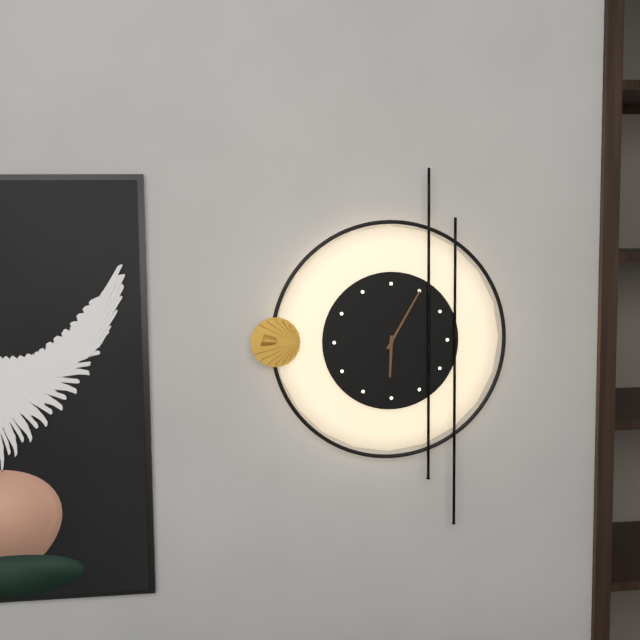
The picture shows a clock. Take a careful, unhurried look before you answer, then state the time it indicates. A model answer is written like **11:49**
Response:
**6:05**
